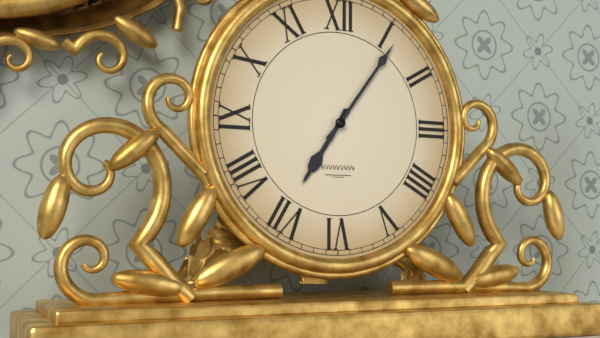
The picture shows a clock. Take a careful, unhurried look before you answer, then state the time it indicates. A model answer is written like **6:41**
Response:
**7:06**
